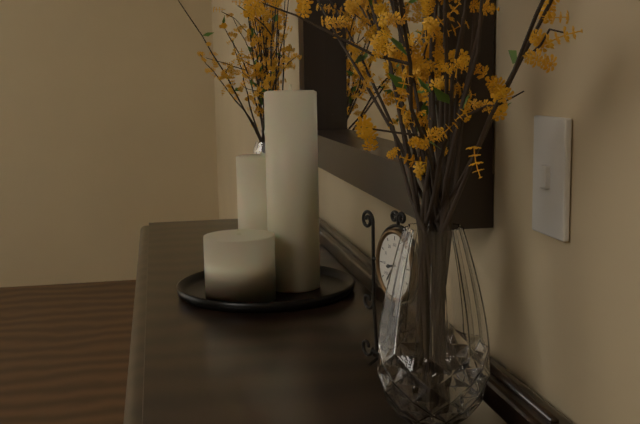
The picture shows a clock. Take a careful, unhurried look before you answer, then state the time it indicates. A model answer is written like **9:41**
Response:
**8:36**
